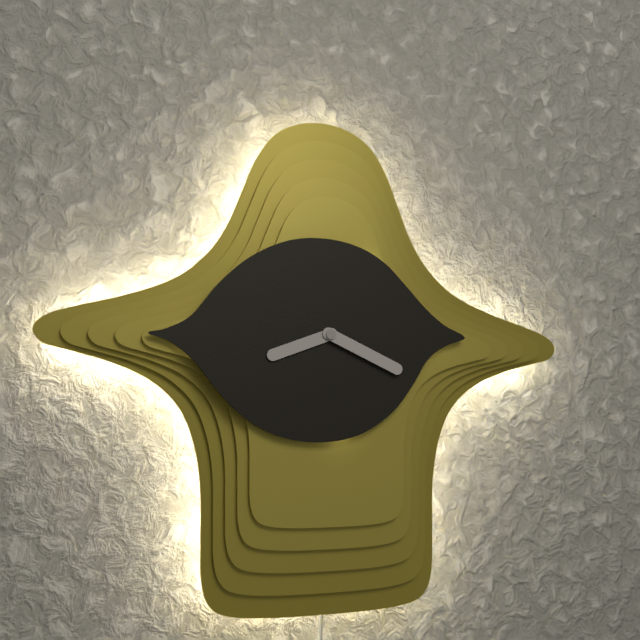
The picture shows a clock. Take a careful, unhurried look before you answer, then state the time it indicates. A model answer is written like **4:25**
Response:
**8:19**
